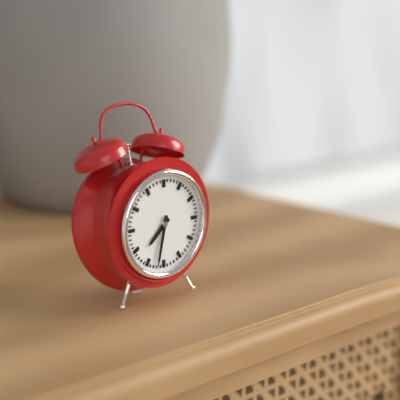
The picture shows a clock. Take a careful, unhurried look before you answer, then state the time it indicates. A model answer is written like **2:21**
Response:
**7:32**
